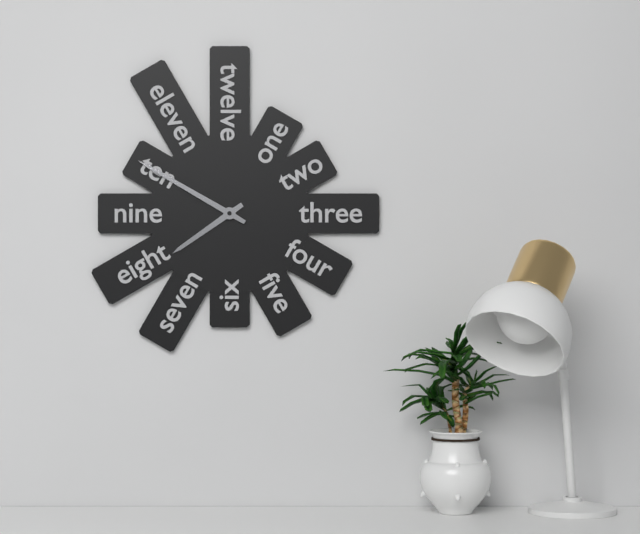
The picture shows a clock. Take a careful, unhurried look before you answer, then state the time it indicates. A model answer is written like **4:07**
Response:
**7:50**
